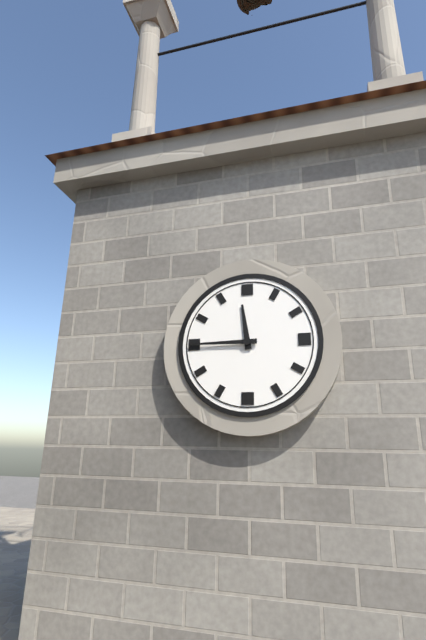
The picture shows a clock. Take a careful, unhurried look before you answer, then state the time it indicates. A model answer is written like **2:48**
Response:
**11:45**
